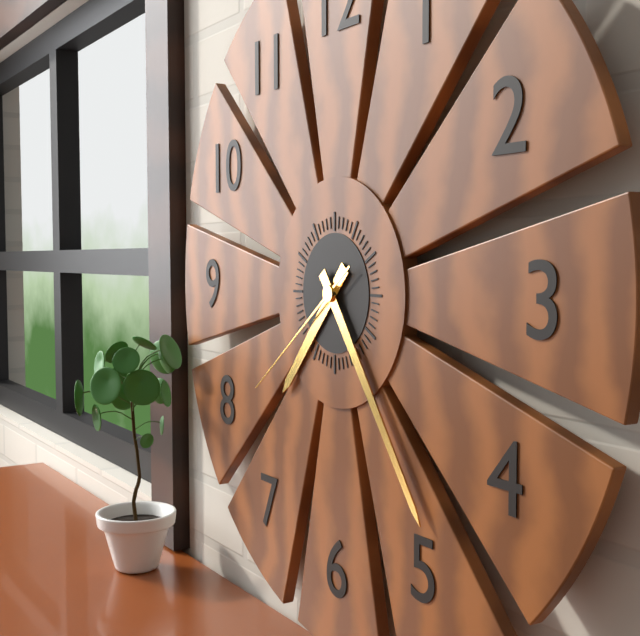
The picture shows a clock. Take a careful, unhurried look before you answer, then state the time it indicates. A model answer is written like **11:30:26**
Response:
**7:24:39**
